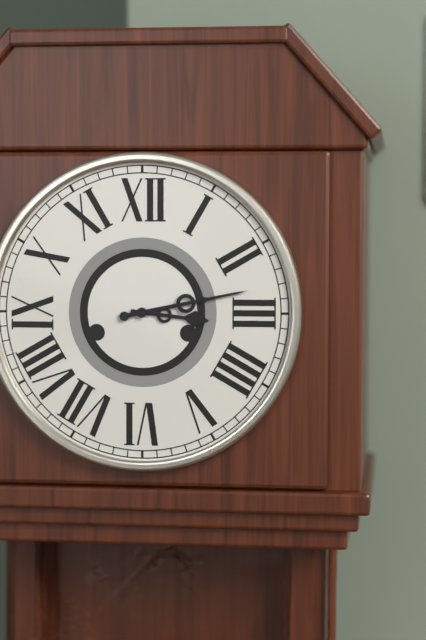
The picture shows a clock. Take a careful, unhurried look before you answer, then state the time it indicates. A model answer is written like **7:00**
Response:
**3:13**
